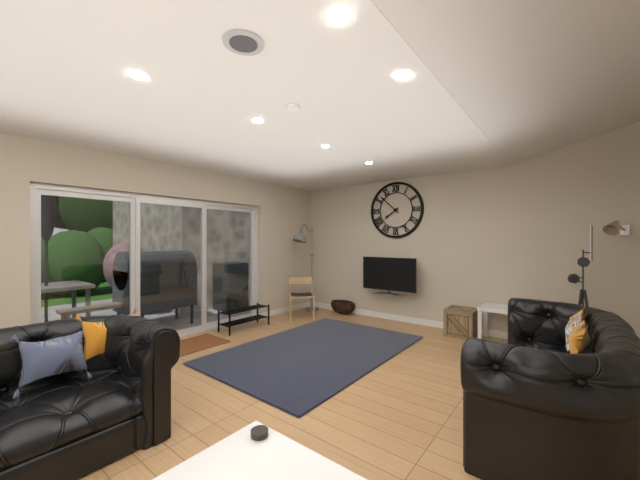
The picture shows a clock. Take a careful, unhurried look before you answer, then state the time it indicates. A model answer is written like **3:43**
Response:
**7:52**
